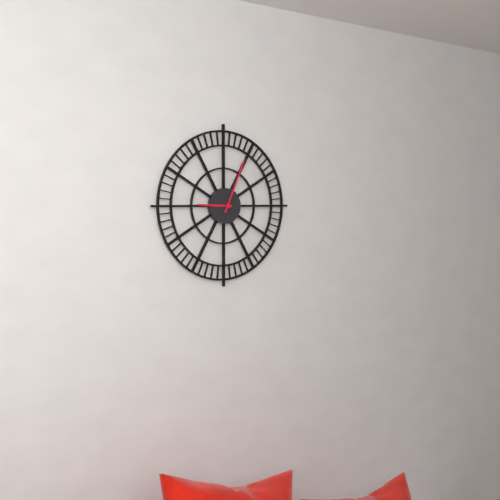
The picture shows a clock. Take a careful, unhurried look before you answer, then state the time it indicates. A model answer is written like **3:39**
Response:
**9:04**
